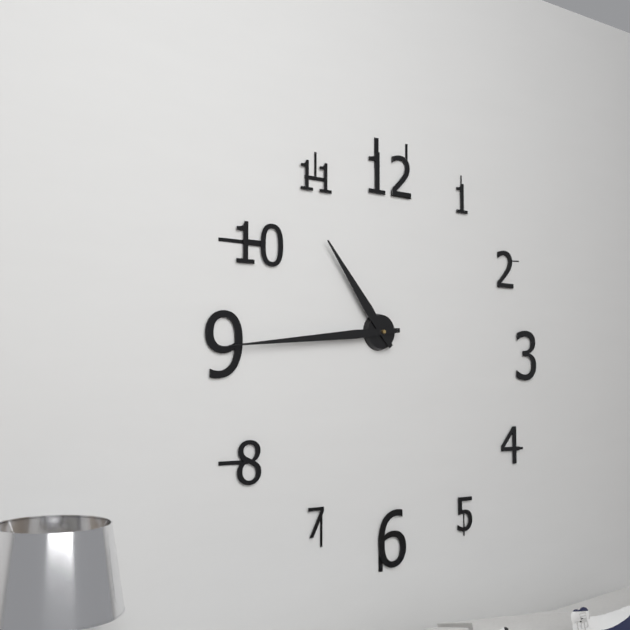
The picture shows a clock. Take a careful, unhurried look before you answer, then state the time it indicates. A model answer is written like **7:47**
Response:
**10:44**
